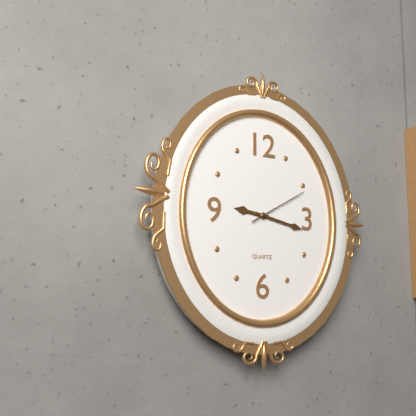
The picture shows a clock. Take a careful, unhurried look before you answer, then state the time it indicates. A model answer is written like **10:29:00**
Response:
**9:17:10**
